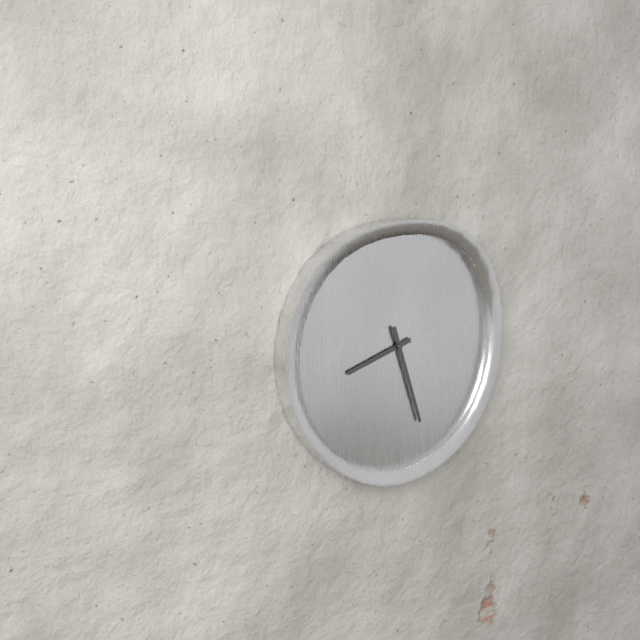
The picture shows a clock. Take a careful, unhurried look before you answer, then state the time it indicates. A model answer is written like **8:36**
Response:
**8:27**
